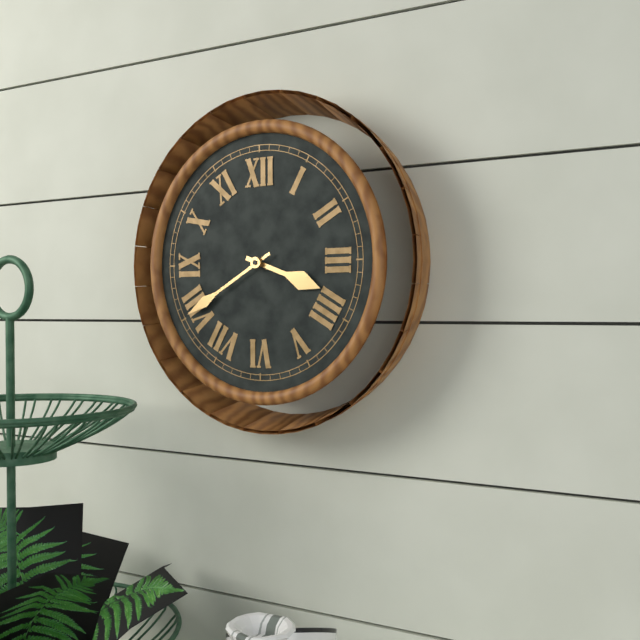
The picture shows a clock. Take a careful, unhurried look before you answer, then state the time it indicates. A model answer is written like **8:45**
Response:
**3:40**
